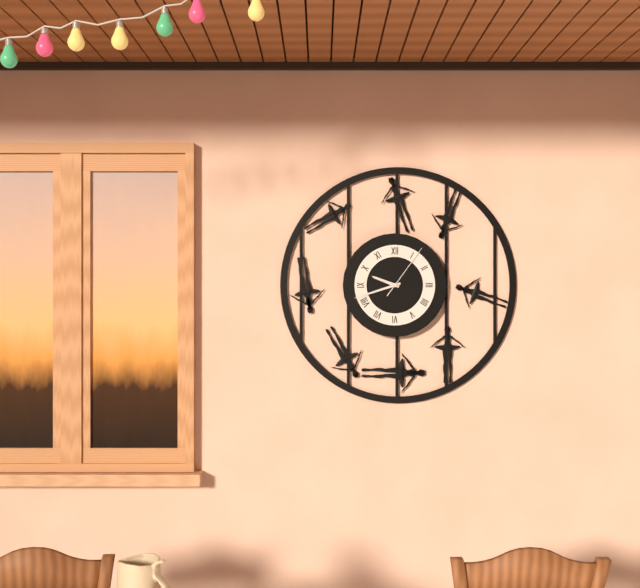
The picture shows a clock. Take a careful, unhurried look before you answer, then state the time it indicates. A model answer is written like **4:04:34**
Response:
**9:42:06**
